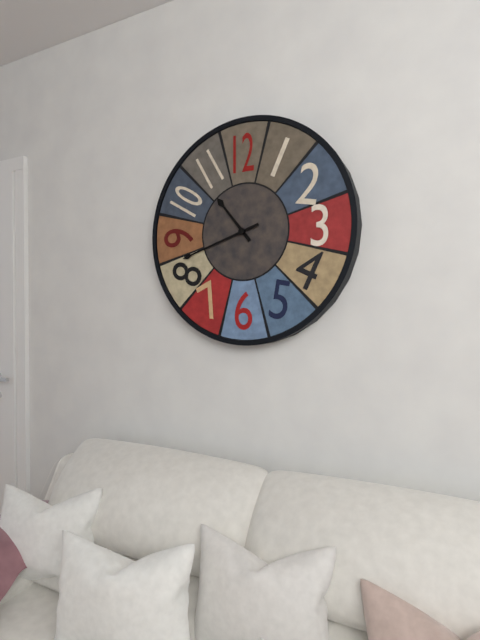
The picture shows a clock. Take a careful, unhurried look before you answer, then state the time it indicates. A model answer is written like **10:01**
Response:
**10:42**
